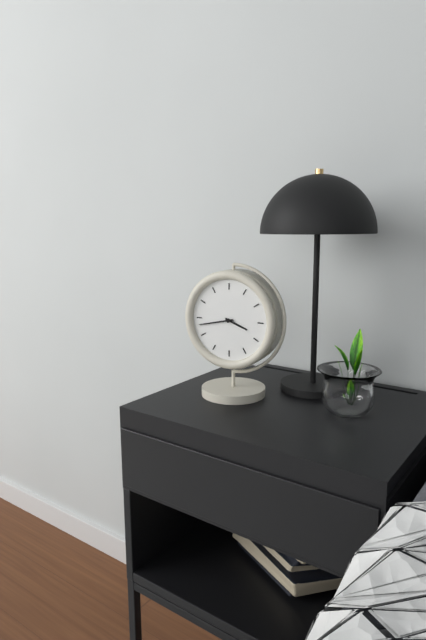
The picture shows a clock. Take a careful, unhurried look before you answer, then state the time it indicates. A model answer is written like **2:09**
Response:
**3:43**
